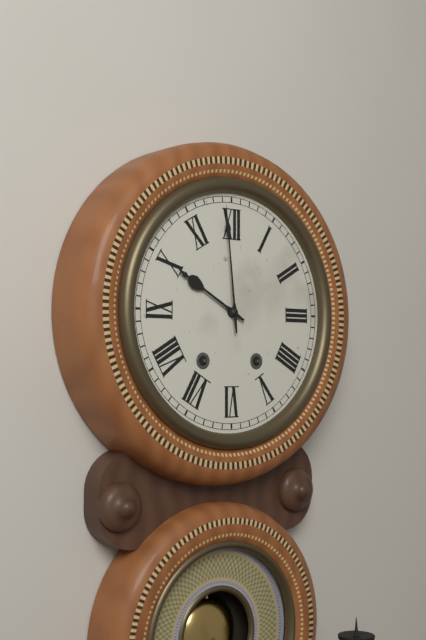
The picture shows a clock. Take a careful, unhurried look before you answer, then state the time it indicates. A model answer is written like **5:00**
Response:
**9:59**
